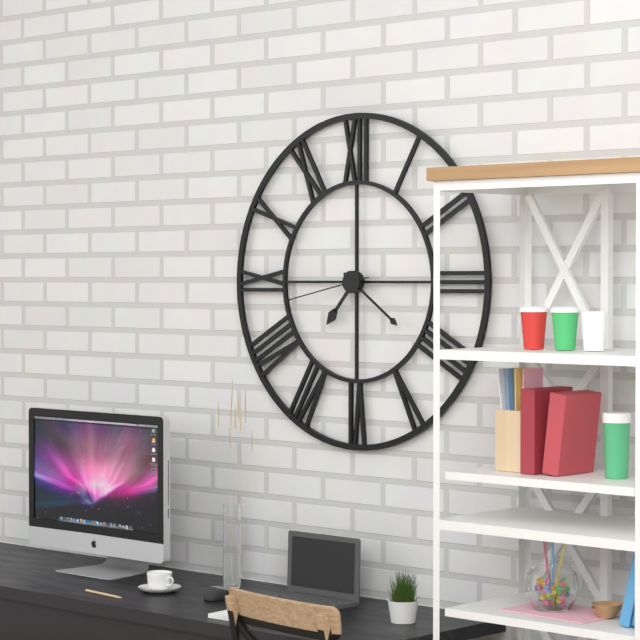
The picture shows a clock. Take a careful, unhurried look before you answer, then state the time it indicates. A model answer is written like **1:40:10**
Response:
**7:21:43**
